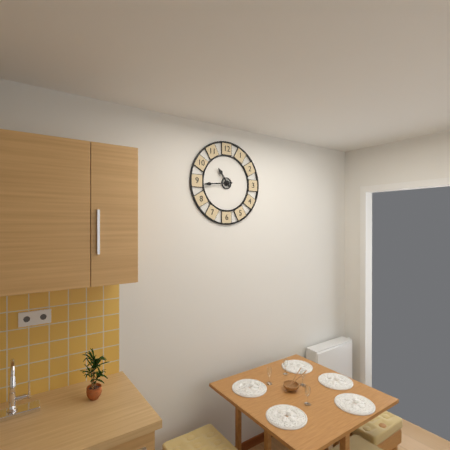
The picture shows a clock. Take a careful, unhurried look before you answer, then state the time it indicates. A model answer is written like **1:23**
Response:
**10:44**
